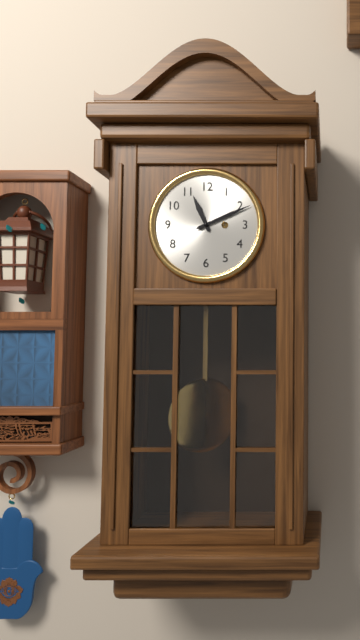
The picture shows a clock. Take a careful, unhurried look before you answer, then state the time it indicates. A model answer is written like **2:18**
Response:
**11:11**
